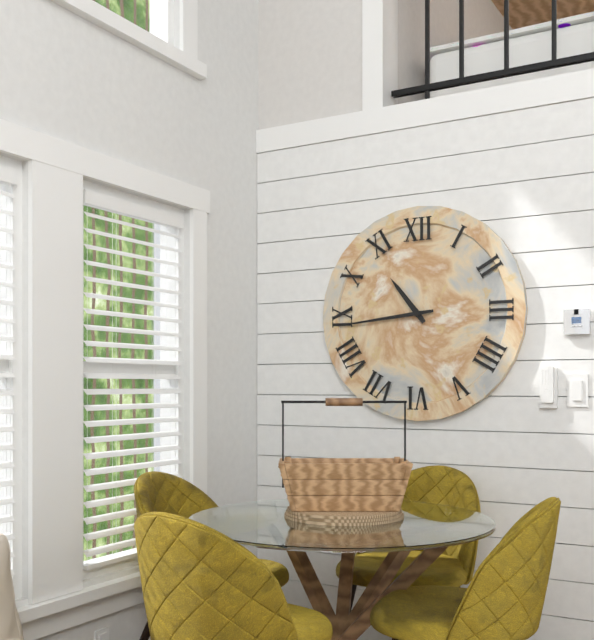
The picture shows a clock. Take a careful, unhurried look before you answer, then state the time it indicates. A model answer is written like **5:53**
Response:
**10:44**
